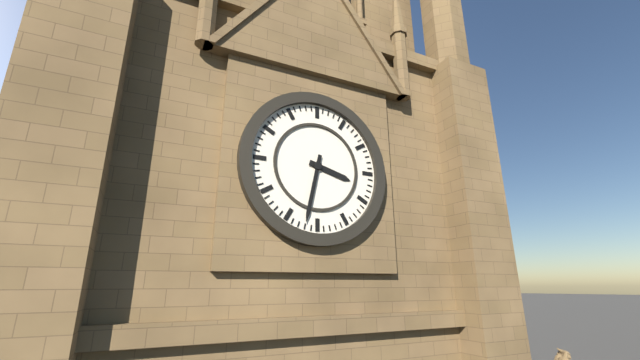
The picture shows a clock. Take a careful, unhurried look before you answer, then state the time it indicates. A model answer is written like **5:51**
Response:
**3:32**
